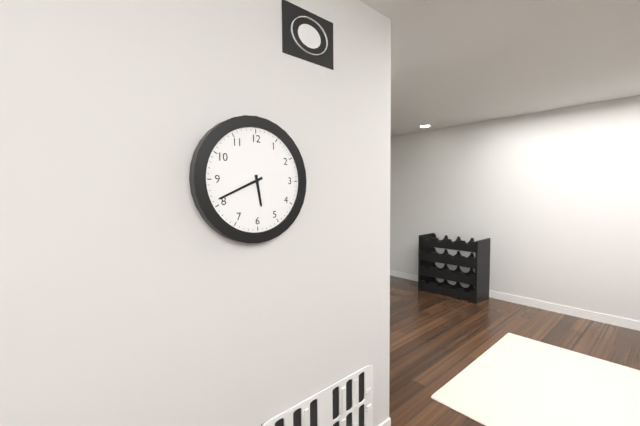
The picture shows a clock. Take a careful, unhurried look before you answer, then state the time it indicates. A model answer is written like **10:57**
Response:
**5:41**
